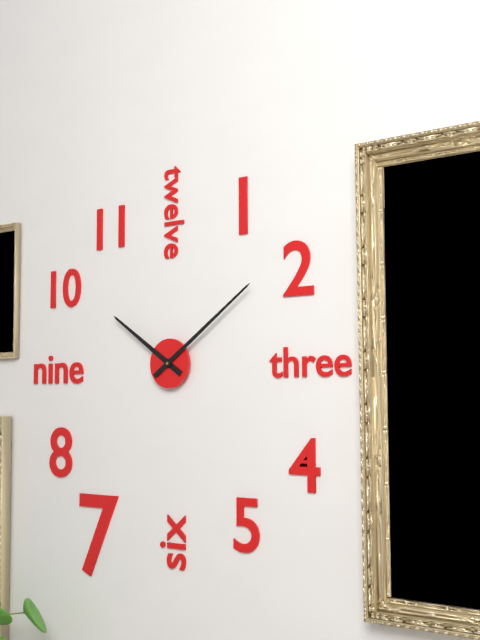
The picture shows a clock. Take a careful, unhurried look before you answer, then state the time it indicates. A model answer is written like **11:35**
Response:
**10:09**
